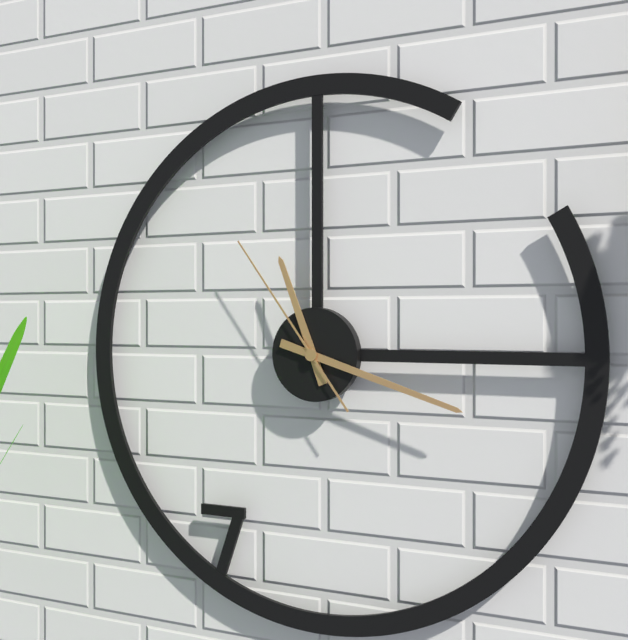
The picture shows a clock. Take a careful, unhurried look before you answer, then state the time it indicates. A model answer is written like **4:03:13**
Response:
**11:18:54**
